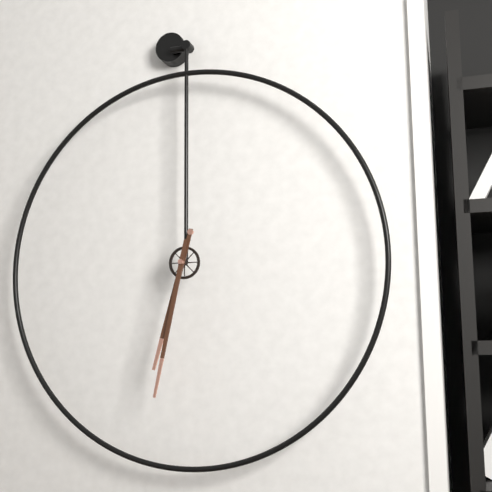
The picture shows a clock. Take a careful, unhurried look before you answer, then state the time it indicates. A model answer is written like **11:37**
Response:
**6:32**
